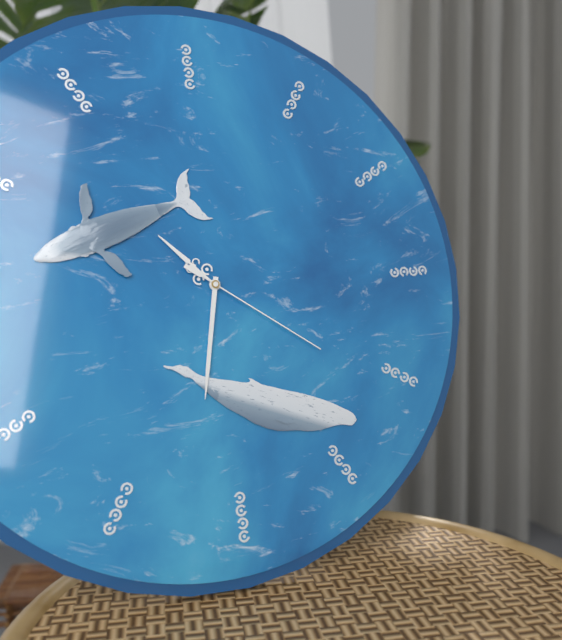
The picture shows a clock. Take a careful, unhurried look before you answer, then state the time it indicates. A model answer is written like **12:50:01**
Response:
**10:32:21**
